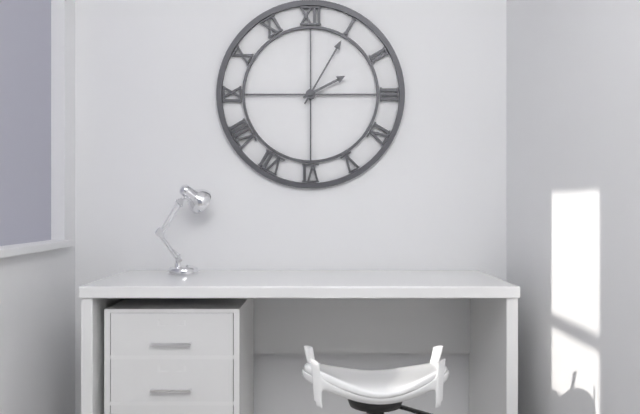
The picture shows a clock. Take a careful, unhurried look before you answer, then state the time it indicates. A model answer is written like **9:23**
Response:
**2:05**
